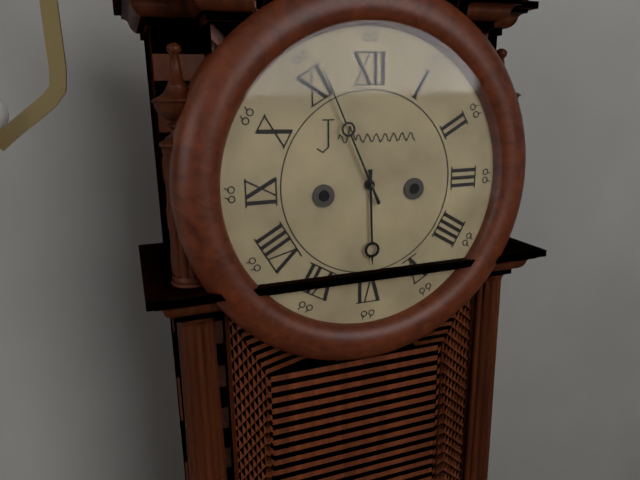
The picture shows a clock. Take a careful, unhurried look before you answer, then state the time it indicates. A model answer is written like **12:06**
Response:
**5:56**
